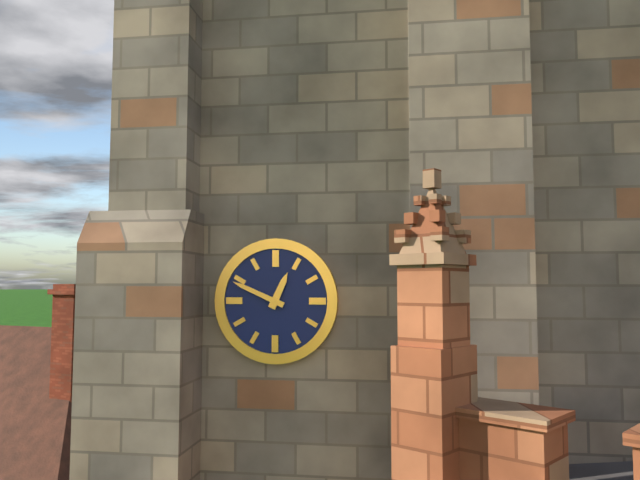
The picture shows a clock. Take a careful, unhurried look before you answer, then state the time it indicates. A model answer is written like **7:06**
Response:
**12:49**
